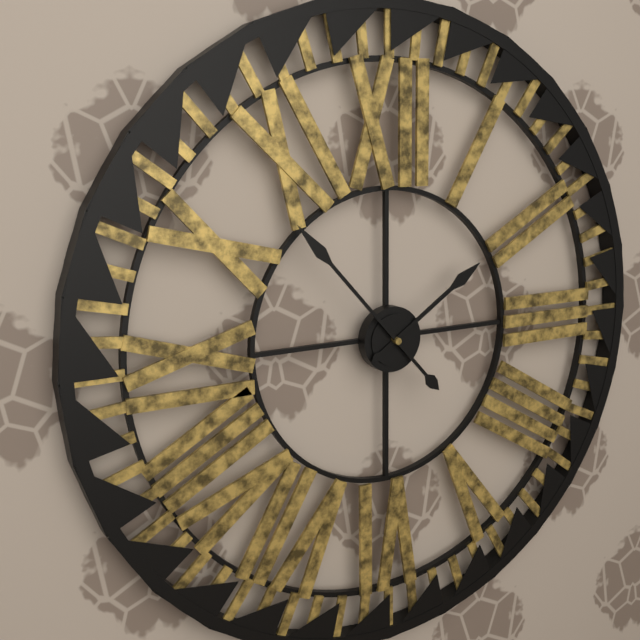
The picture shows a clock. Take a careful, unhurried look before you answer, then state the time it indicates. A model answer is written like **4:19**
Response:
**1:53**
